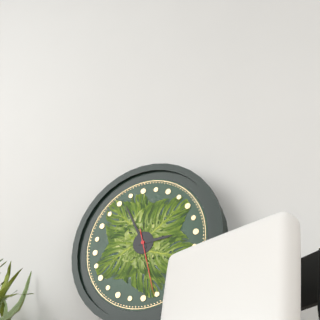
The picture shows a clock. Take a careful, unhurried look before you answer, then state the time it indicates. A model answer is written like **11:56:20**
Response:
**2:56:28**
